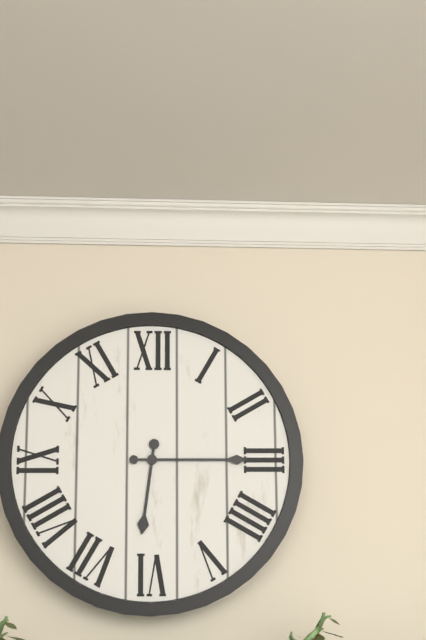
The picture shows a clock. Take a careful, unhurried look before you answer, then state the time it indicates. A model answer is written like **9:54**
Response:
**6:15**
